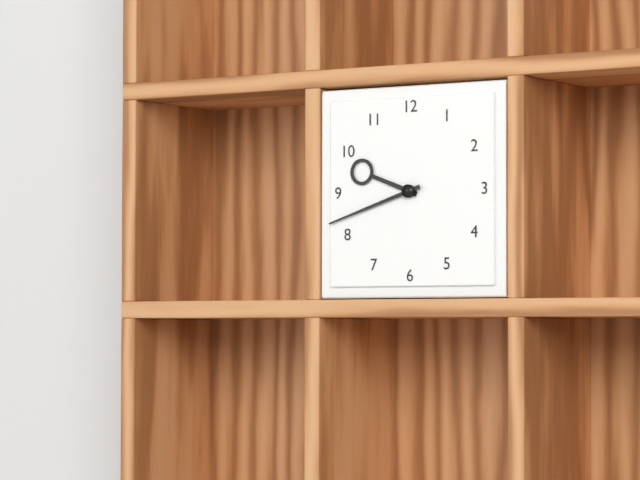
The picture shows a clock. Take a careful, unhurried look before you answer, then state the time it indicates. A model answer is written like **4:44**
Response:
**9:42**
